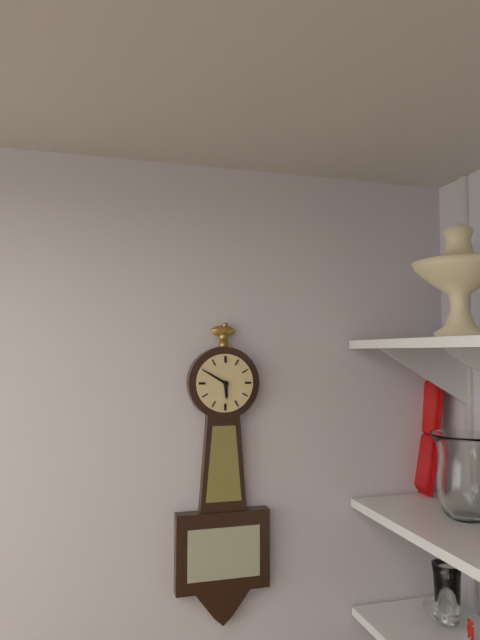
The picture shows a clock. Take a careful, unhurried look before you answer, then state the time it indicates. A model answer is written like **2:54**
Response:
**5:50**
